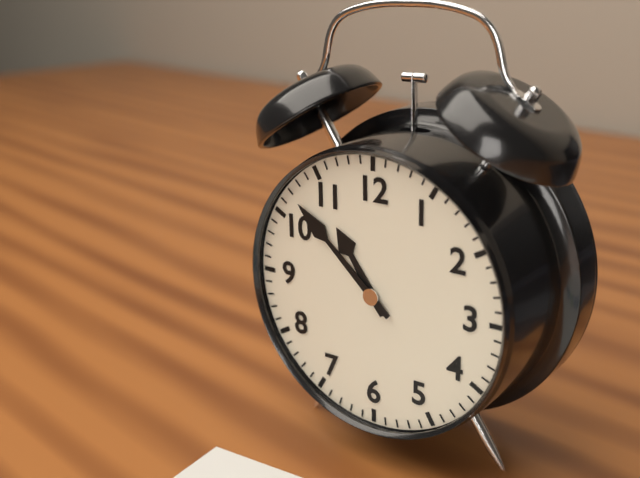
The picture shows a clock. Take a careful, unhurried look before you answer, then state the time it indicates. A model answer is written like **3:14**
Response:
**10:52**
